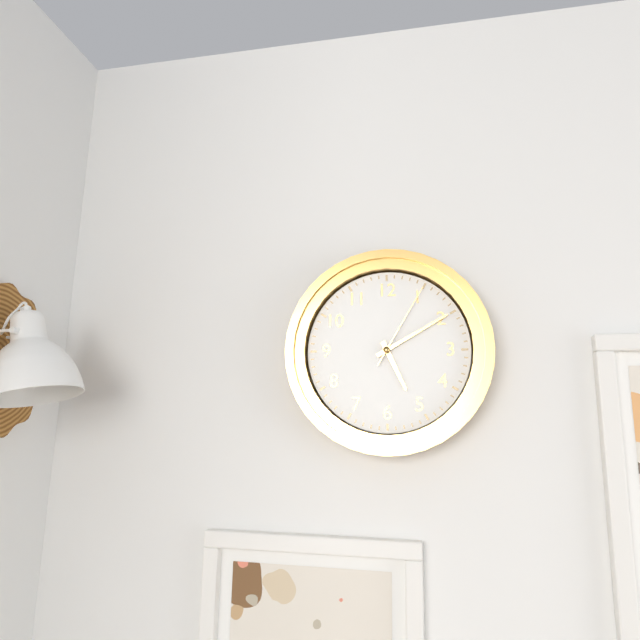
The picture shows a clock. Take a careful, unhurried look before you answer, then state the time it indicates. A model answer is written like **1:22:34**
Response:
**5:10:05**
